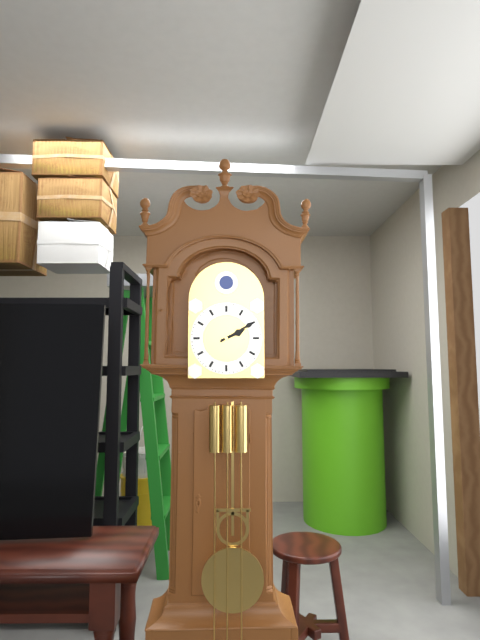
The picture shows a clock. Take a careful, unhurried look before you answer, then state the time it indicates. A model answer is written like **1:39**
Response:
**2:10**
